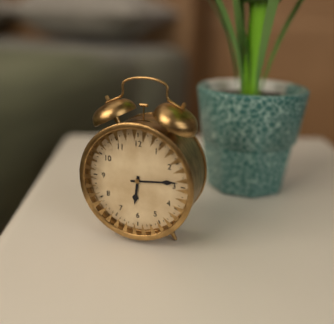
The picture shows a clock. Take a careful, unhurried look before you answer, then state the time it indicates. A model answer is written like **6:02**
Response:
**6:14**
